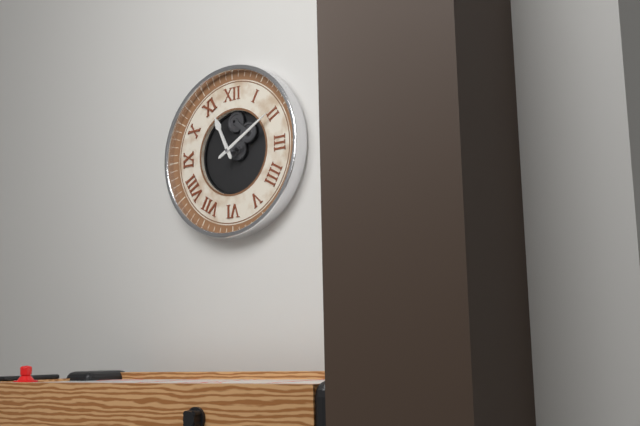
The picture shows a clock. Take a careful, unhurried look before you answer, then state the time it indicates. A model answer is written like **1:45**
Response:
**11:10**
